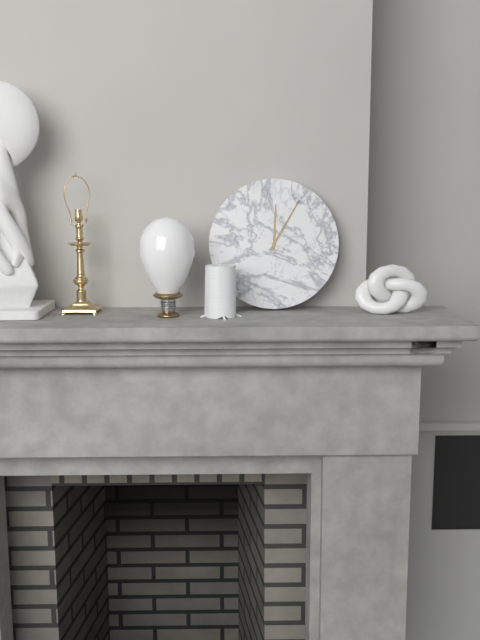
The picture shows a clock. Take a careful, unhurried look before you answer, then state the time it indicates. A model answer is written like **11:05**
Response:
**12:05**
